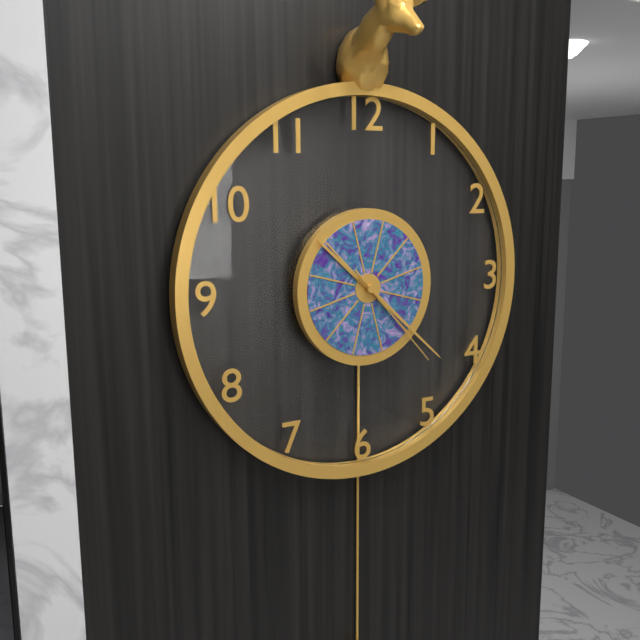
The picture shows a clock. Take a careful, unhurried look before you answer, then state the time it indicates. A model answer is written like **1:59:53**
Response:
**10:22:23**
